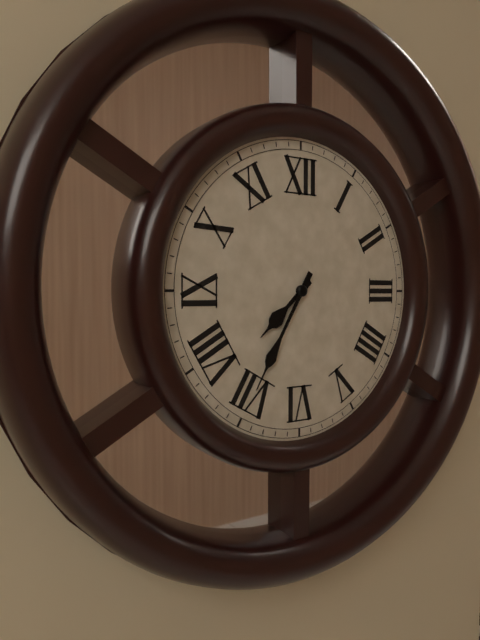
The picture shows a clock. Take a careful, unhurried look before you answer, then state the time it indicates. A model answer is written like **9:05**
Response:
**7:35**
